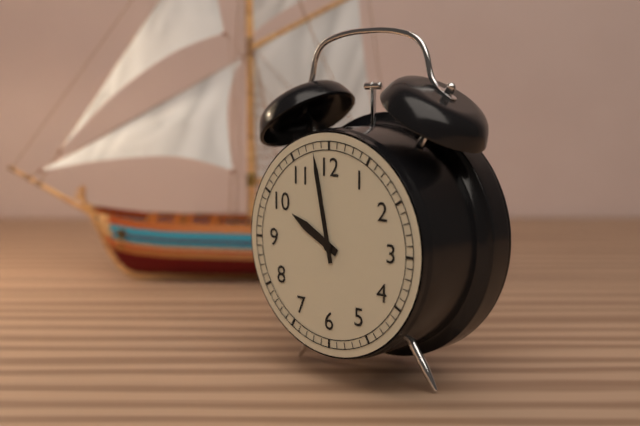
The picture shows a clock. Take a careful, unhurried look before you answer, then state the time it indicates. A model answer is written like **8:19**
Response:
**9:58**
